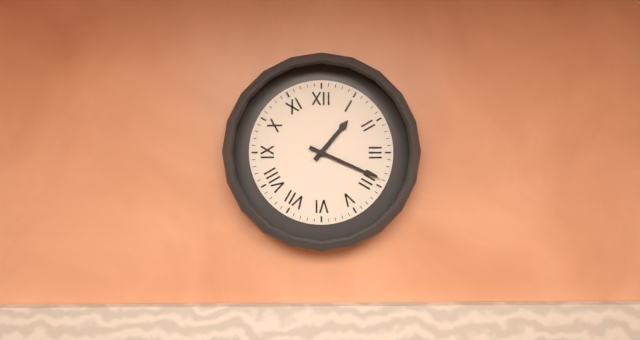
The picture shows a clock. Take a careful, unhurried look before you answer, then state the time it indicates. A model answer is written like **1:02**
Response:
**1:19**
